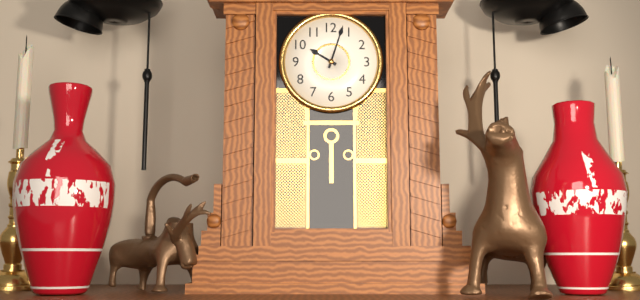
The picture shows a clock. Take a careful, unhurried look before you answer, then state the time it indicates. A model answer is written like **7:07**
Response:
**10:03**
